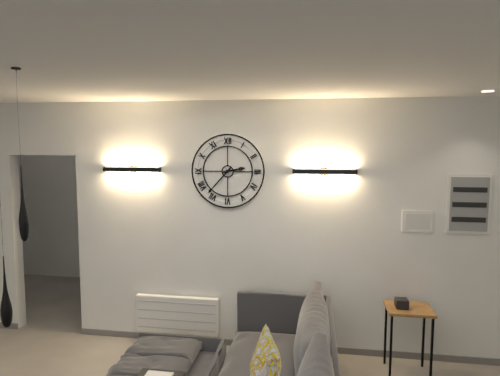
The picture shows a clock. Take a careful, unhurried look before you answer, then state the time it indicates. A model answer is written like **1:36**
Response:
**2:37**
